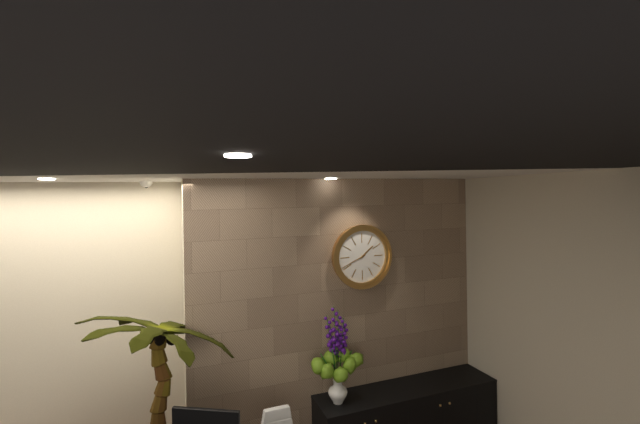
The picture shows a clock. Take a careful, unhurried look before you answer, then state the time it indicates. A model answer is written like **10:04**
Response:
**1:41**
